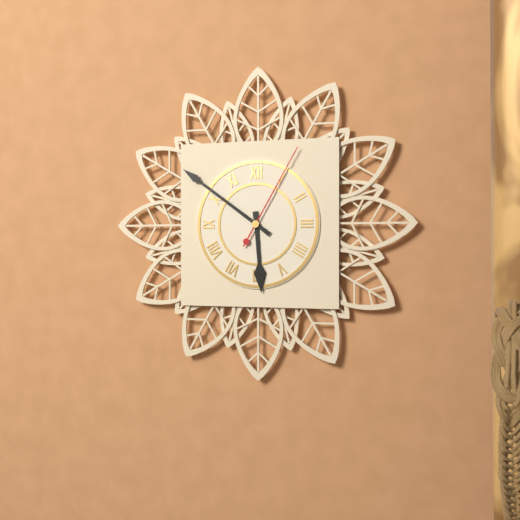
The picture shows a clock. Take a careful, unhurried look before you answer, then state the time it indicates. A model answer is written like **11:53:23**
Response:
**5:51:05**
